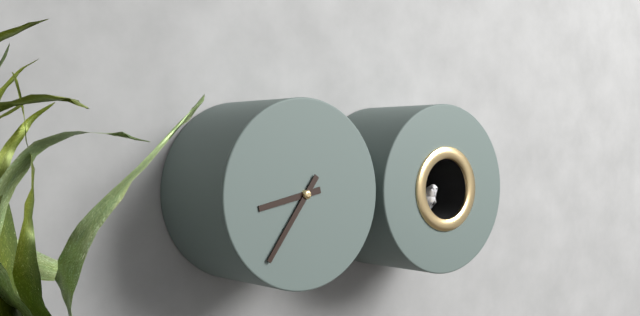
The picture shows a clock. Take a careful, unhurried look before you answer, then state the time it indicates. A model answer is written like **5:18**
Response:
**8:36**
